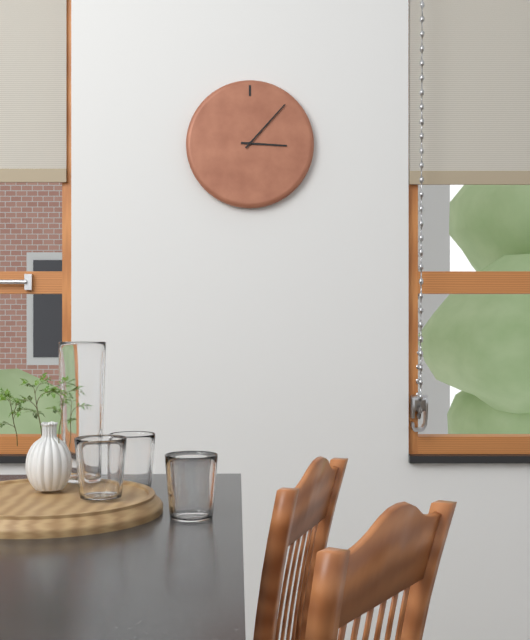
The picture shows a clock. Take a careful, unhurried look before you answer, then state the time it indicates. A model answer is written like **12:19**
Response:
**3:07**
